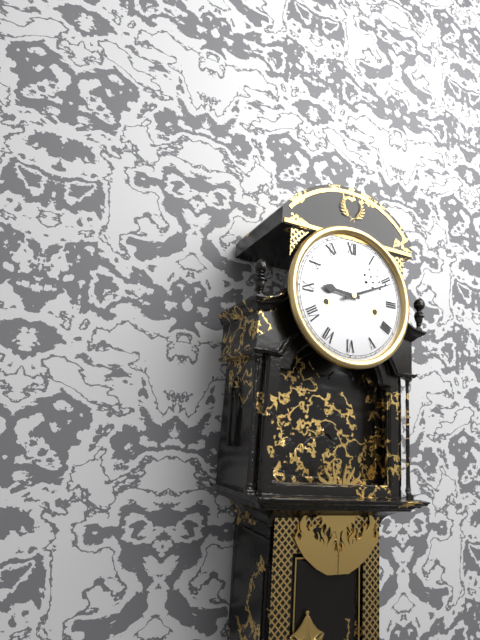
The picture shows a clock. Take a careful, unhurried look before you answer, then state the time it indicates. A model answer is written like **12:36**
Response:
**9:11**
